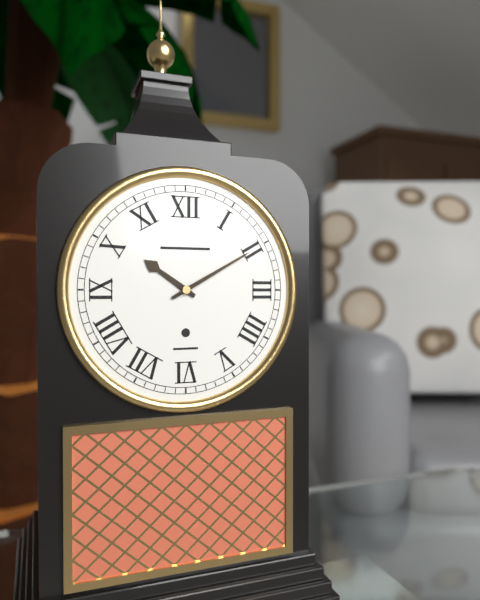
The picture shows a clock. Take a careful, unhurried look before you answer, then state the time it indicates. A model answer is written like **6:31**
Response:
**10:10**
